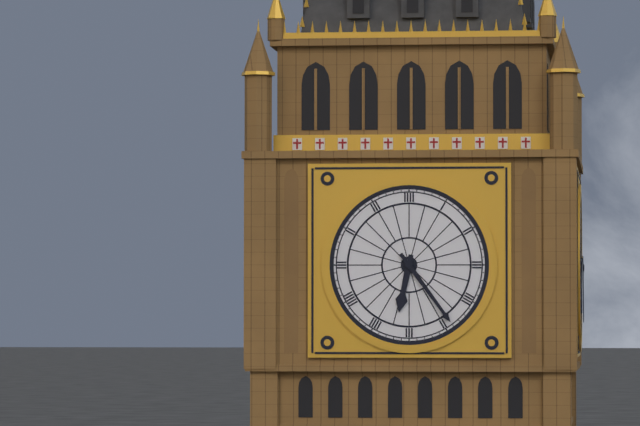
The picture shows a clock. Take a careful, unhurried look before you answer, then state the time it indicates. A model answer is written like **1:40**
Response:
**6:24**
